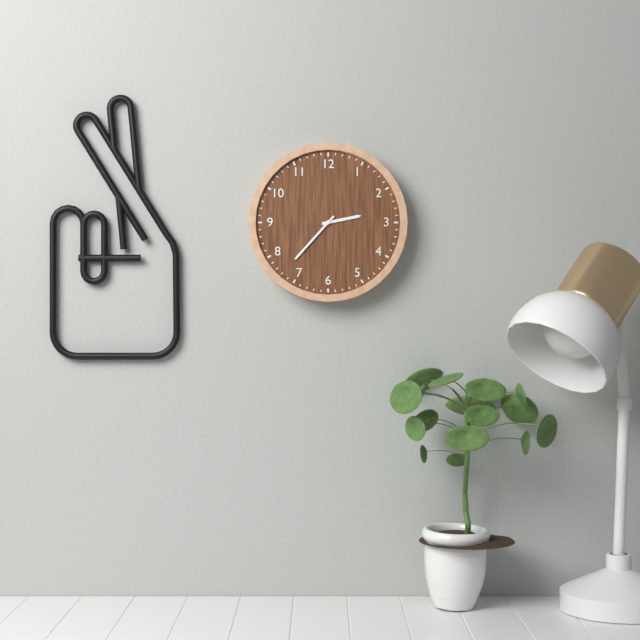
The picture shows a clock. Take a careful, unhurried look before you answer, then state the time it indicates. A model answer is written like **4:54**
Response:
**2:37**
